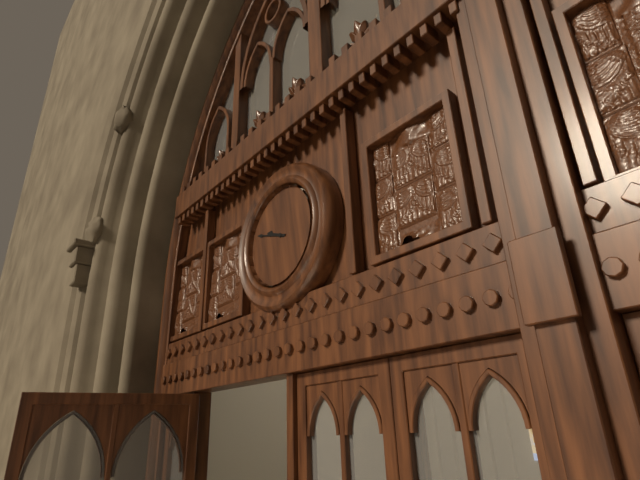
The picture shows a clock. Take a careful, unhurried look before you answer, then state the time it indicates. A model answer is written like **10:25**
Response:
**9:48**
